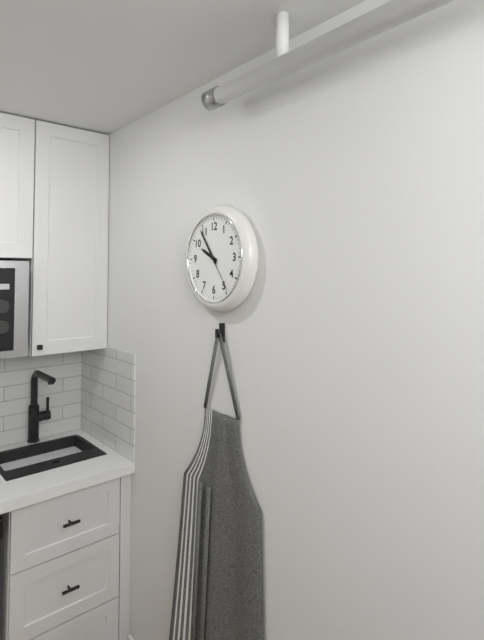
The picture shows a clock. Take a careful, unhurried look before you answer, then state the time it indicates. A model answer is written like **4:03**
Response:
**9:54**
